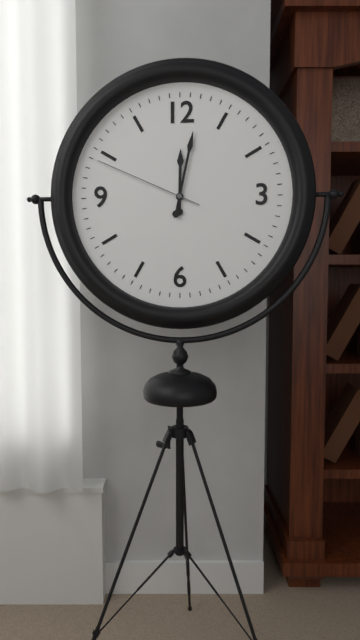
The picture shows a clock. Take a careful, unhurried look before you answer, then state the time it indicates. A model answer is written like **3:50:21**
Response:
**12:02:49**
